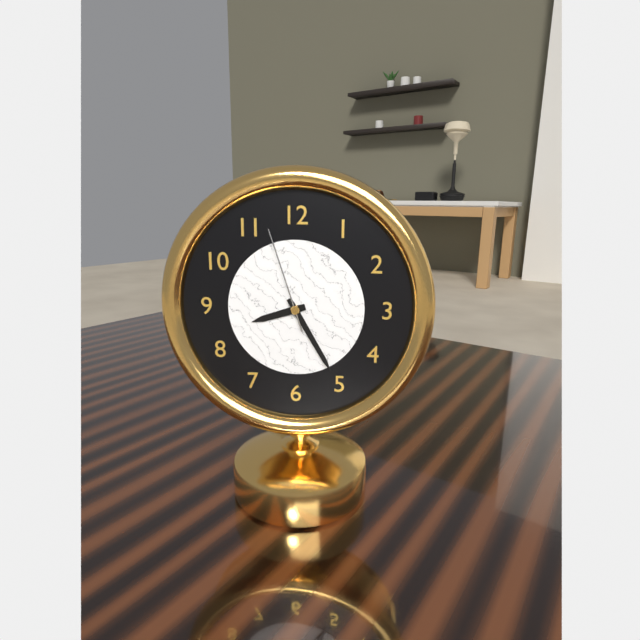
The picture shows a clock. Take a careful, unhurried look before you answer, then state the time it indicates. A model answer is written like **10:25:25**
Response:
**8:25:57**
